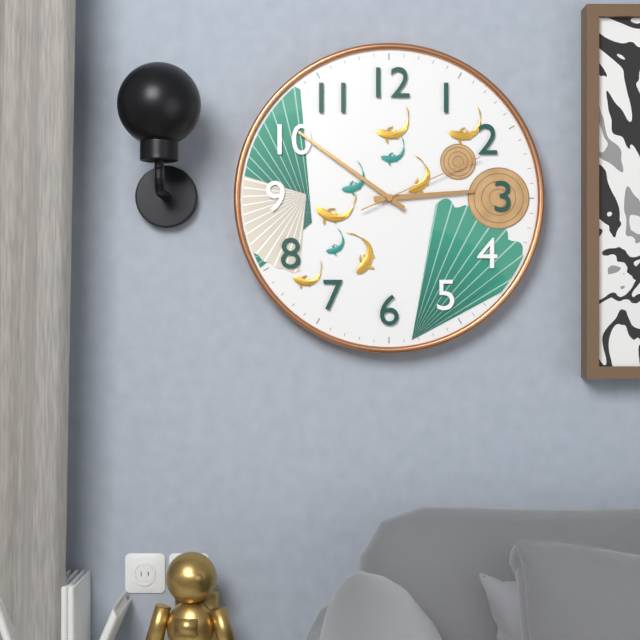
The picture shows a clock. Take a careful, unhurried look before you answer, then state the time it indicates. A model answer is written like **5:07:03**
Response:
**2:51:11**
